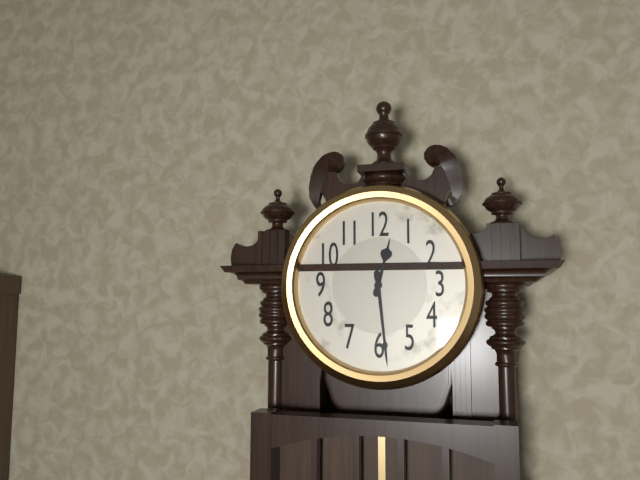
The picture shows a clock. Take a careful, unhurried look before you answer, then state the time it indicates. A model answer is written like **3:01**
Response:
**12:29**
